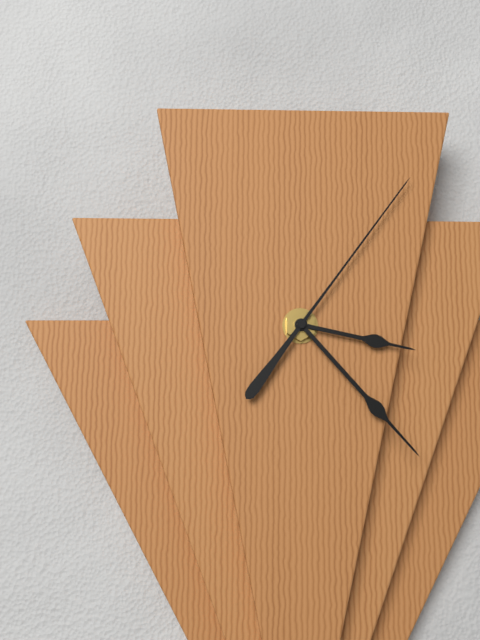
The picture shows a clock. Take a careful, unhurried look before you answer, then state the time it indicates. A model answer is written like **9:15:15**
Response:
**3:23:06**
